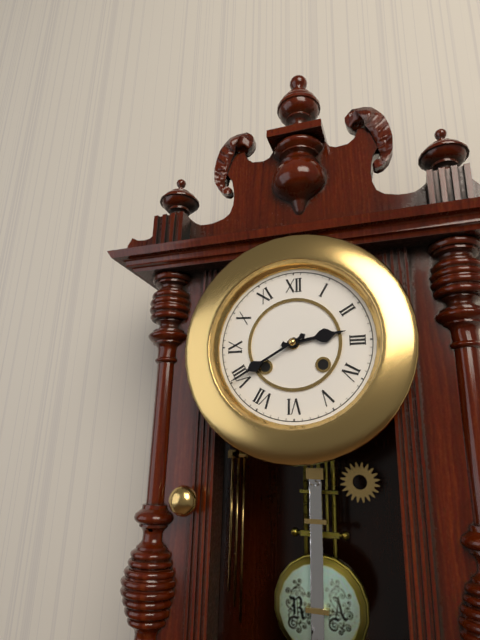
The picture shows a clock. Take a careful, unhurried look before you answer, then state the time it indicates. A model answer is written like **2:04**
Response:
**2:40**
